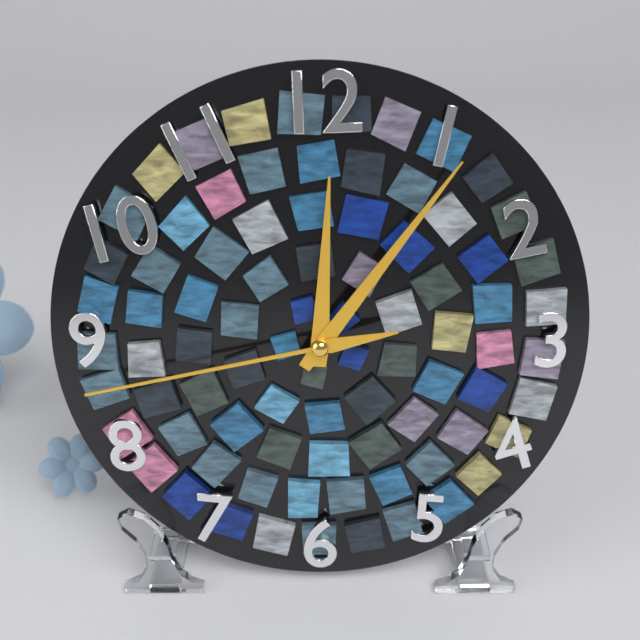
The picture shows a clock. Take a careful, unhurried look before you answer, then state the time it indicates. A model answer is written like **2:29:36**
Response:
**12:06:43**
